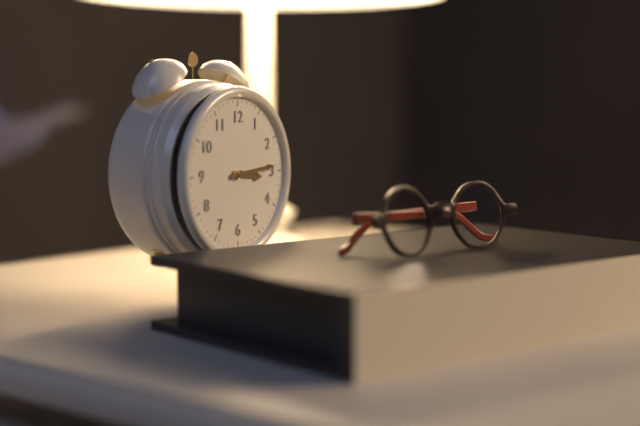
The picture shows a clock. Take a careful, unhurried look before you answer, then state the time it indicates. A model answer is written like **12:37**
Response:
**3:14**
